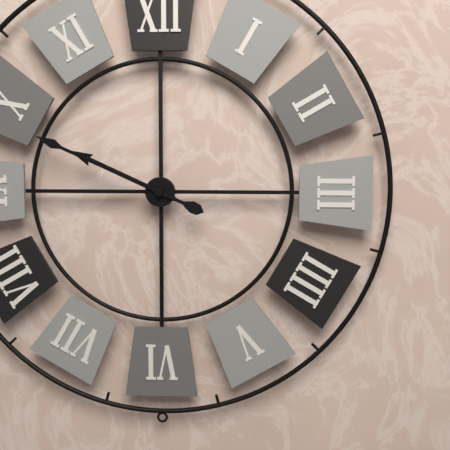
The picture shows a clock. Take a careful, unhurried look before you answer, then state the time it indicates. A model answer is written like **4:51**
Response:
**9:49**
